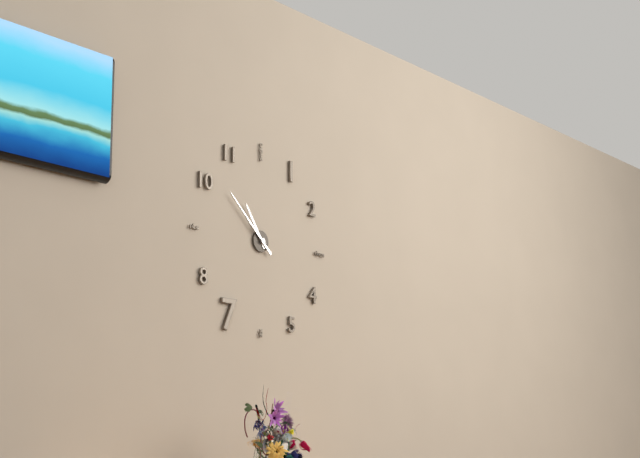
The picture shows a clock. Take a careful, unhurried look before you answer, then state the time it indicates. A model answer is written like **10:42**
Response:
**10:52**
